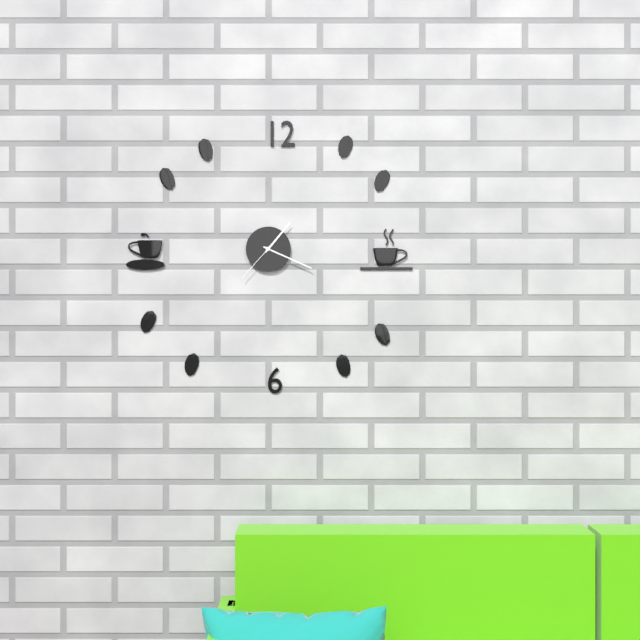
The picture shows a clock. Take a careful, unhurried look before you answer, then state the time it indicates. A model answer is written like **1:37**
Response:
**1:19**
